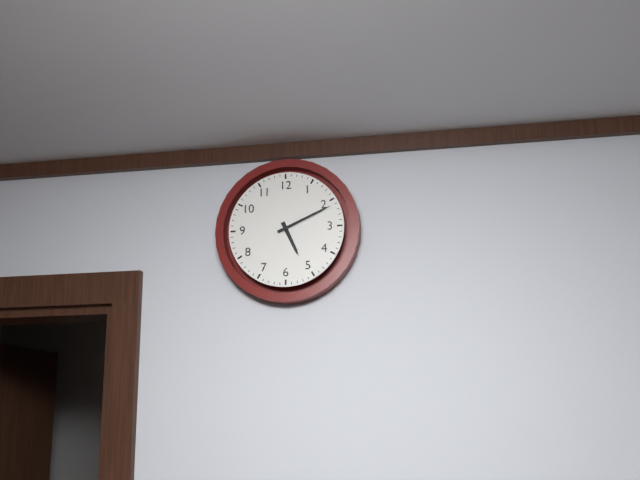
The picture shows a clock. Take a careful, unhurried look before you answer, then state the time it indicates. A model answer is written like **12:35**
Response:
**5:11**
